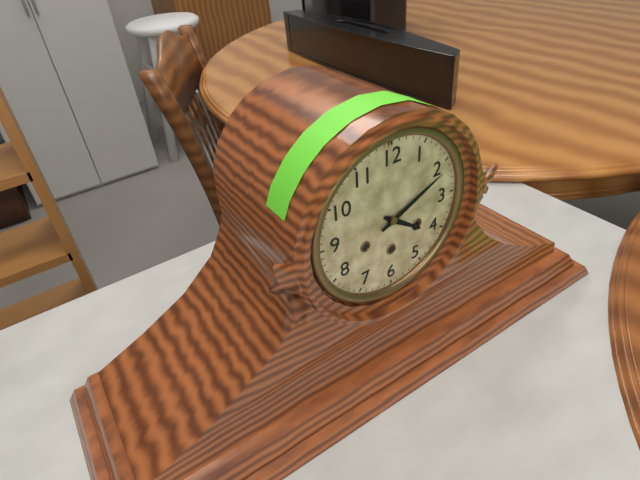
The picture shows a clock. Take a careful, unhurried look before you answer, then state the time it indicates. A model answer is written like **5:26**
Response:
**4:11**
